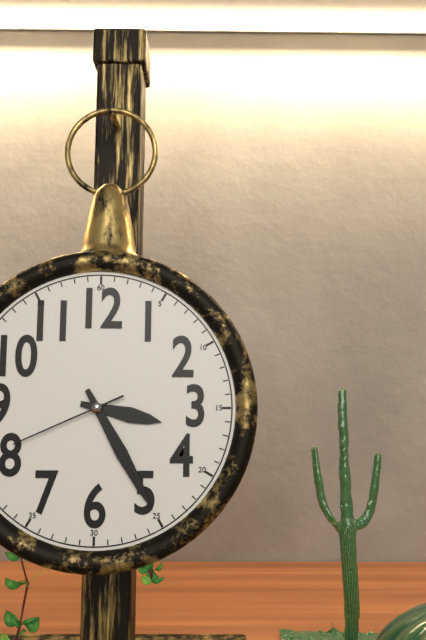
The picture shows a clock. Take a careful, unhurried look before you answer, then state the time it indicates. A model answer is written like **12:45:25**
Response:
**3:25:41**
